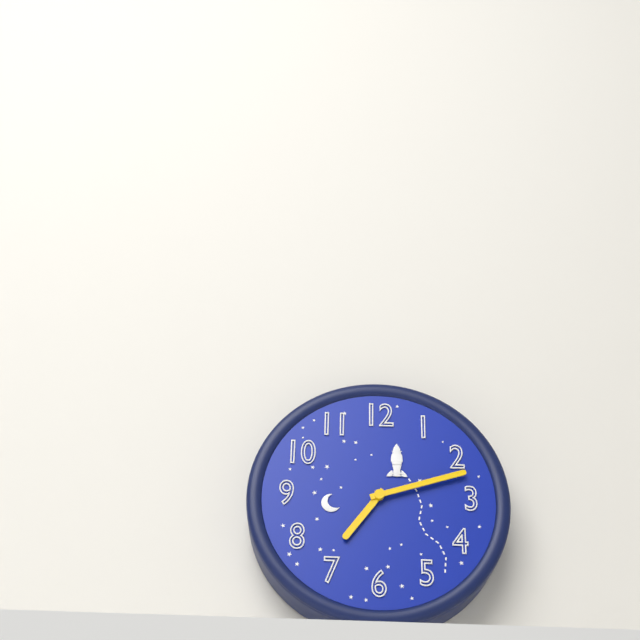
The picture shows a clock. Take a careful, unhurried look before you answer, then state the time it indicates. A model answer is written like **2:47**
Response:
**7:12**
